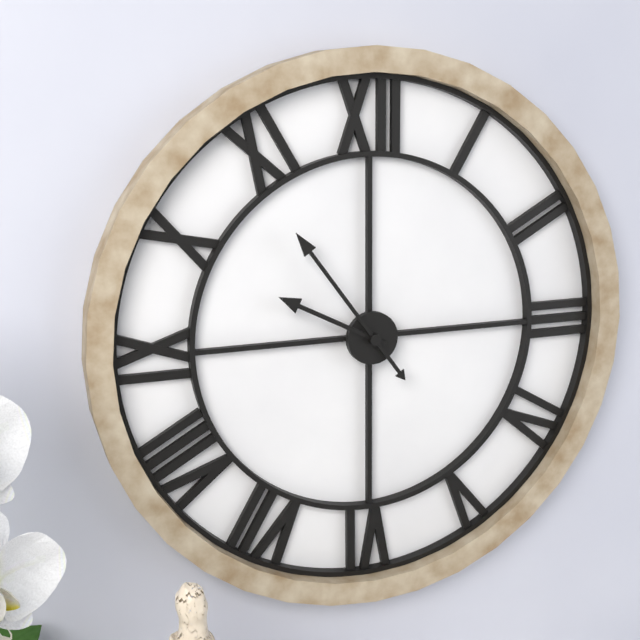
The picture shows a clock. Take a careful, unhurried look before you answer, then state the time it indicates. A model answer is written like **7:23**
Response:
**9:54**
